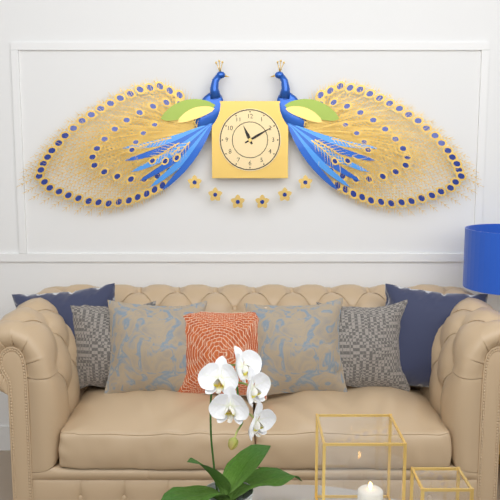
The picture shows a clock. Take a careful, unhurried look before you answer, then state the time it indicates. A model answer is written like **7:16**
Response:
**11:10**
